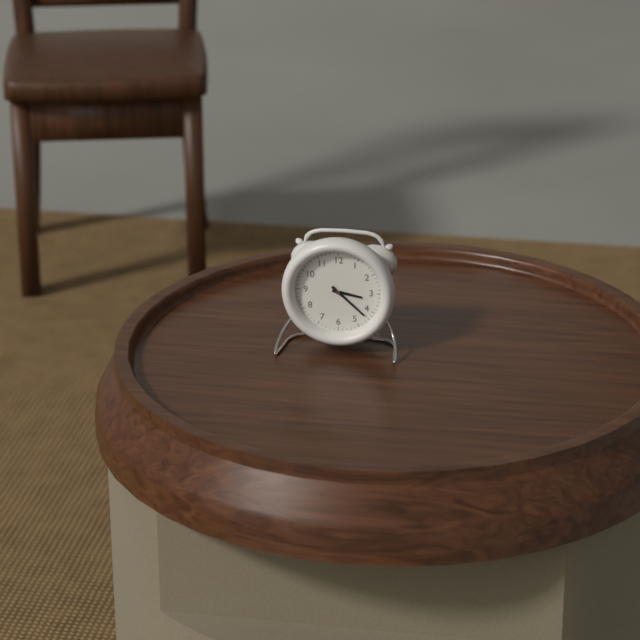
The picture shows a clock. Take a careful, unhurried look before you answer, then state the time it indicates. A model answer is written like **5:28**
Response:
**3:22**
